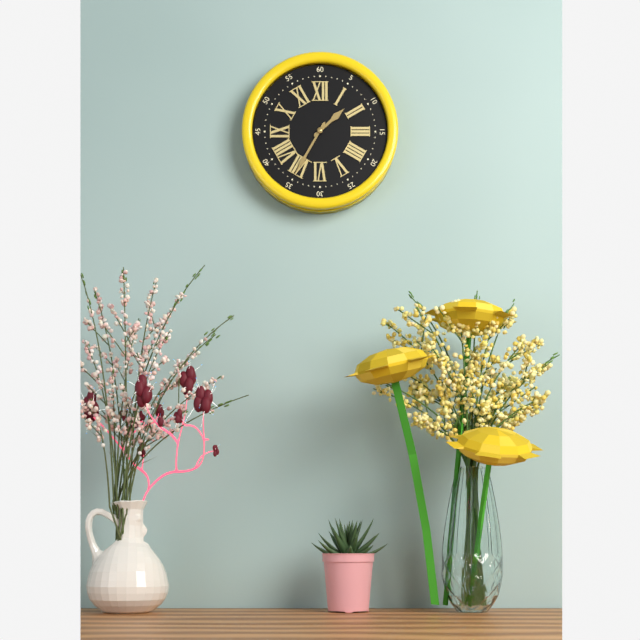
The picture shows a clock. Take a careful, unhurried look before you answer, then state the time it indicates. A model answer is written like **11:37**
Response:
**1:35**
